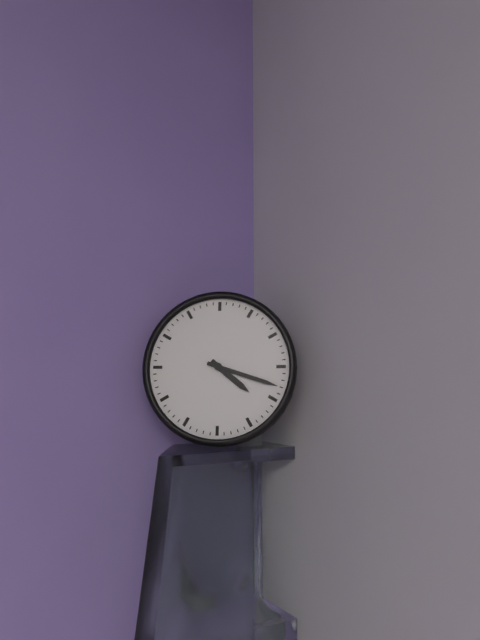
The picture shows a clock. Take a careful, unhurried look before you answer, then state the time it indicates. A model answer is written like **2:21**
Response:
**4:18**
